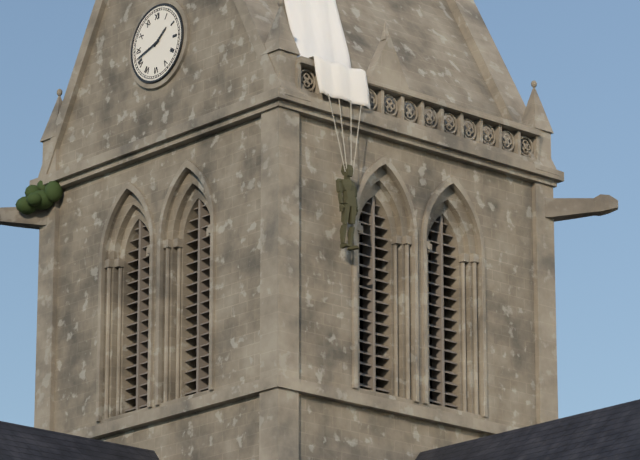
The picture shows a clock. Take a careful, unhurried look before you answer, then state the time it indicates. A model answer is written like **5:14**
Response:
**1:42**
